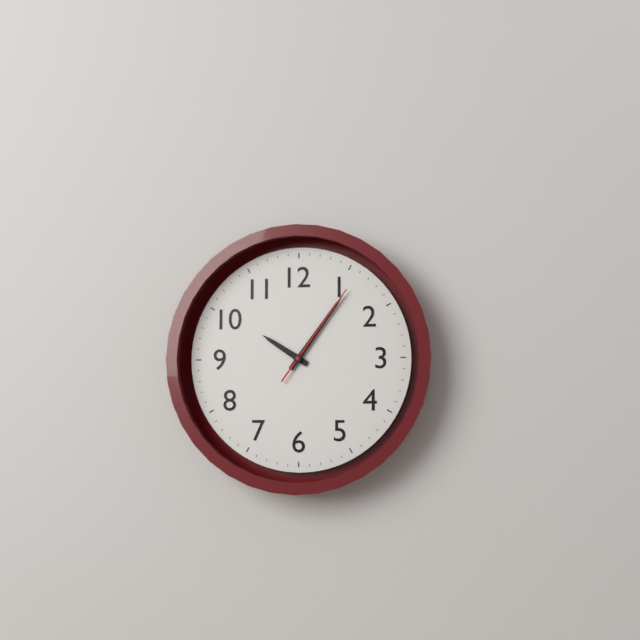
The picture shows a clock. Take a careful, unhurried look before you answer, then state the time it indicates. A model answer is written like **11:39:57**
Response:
**10:06:06**
